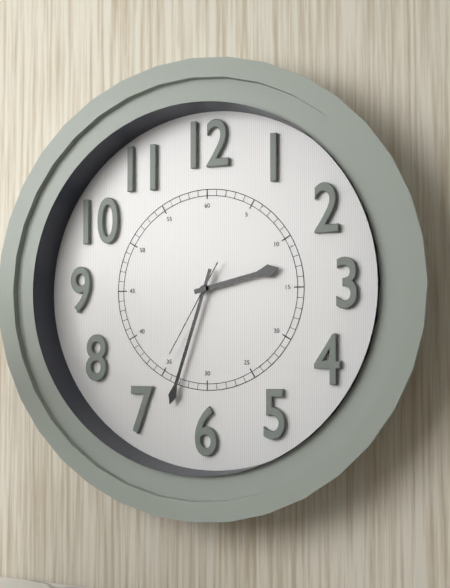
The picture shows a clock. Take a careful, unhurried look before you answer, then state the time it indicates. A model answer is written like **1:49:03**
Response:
**2:33:35**
